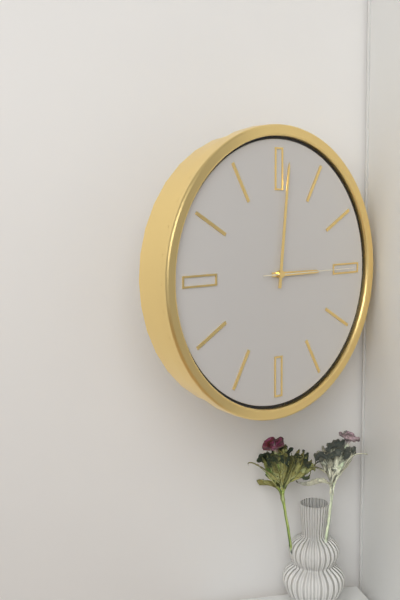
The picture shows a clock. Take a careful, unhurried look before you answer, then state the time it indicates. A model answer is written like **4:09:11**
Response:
**3:01:15**
